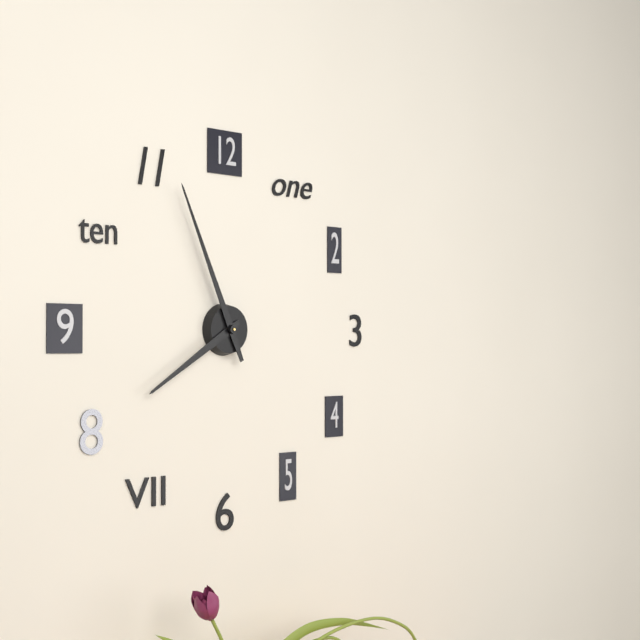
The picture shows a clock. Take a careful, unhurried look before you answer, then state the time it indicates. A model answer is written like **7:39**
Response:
**7:56**
